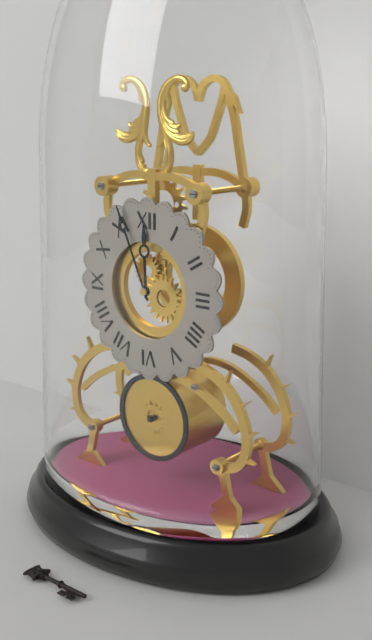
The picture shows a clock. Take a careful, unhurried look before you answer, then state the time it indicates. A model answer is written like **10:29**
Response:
**11:56**
